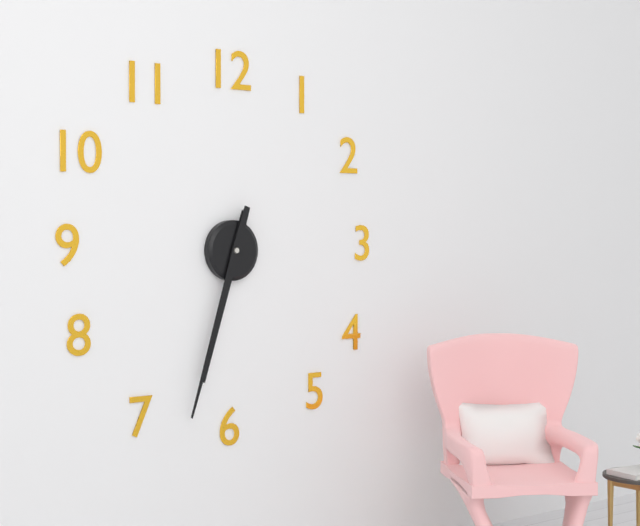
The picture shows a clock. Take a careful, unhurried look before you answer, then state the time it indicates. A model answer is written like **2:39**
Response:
**6:33**
